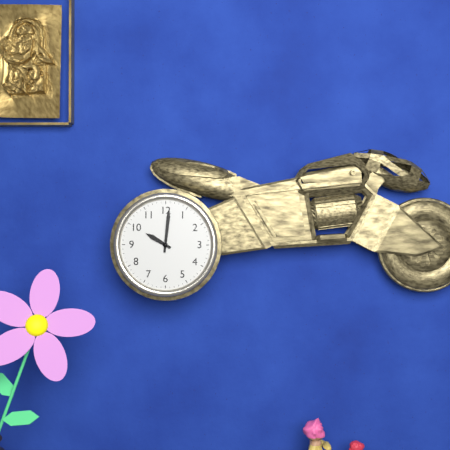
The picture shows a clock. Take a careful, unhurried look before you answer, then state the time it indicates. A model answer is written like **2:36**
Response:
**10:01**
